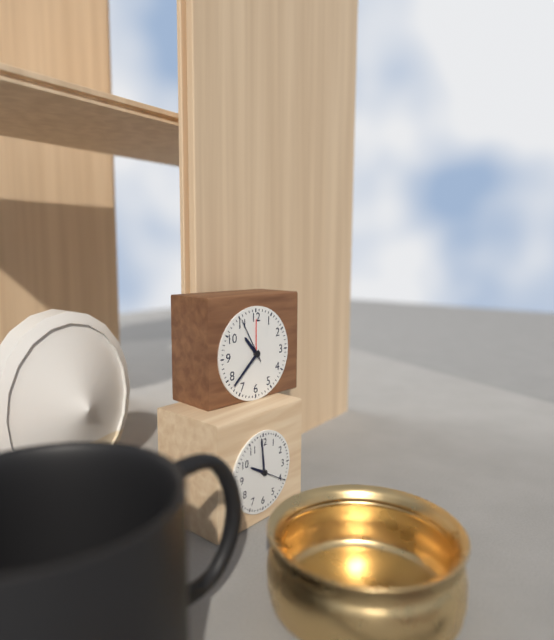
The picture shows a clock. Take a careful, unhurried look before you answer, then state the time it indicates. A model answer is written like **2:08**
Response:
**10:38**
